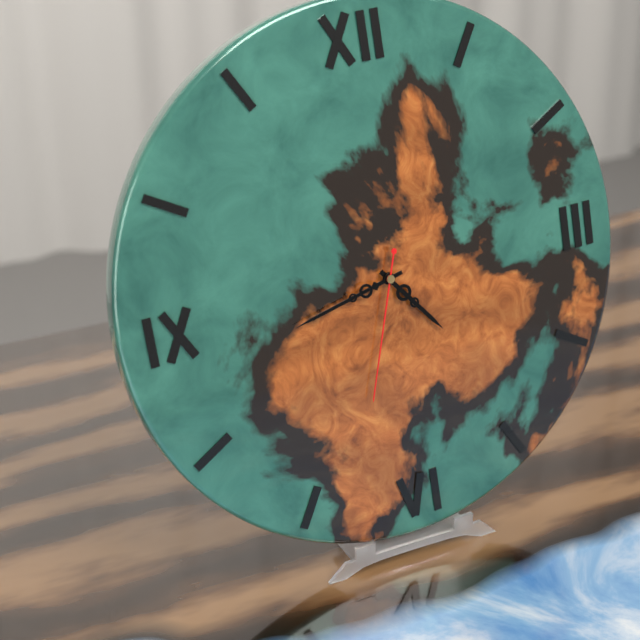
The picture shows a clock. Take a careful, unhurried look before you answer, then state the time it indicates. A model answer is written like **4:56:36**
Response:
**4:43:33**
